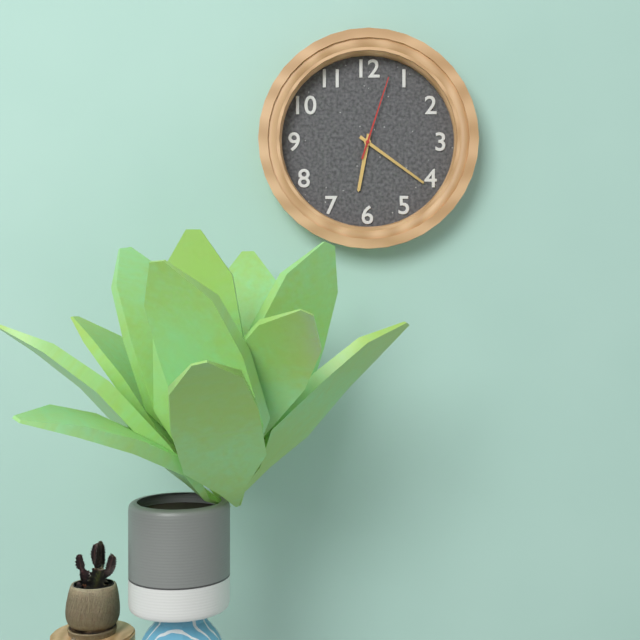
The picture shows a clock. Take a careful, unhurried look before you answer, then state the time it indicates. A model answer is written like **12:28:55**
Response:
**6:21:03**
